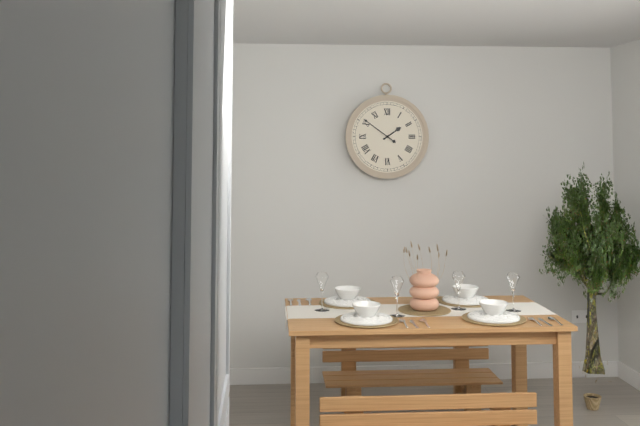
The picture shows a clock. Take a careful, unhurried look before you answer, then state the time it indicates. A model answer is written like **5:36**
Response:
**1:51**
